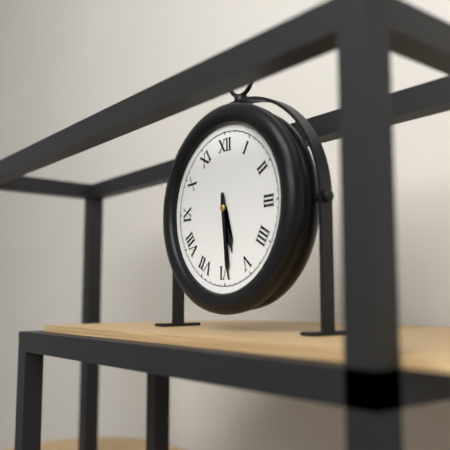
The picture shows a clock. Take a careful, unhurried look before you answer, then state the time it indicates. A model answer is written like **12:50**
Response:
**5:29**
